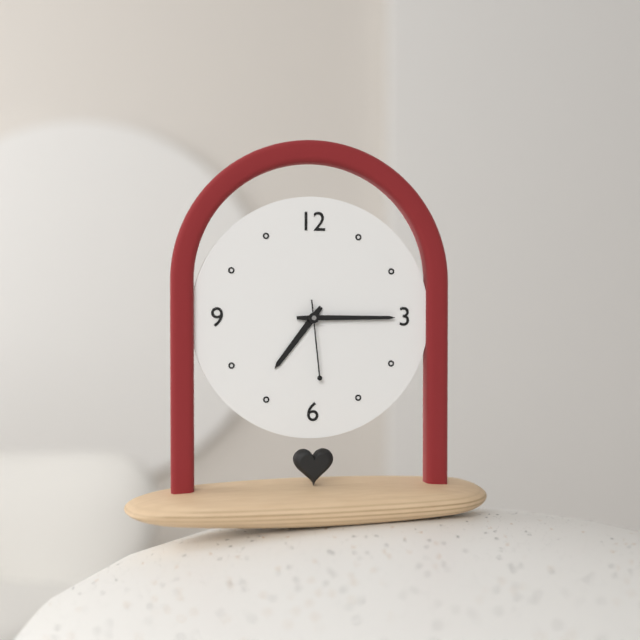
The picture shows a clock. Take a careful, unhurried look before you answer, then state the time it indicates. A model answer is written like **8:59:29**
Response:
**7:15:29**
